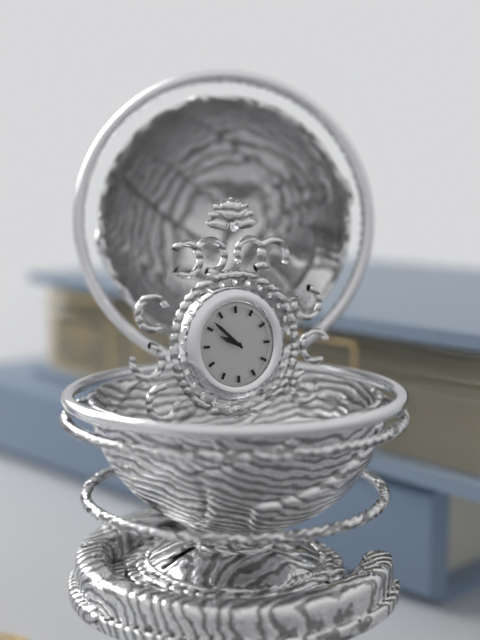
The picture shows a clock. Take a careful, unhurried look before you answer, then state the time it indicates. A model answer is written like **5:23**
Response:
**9:52**
